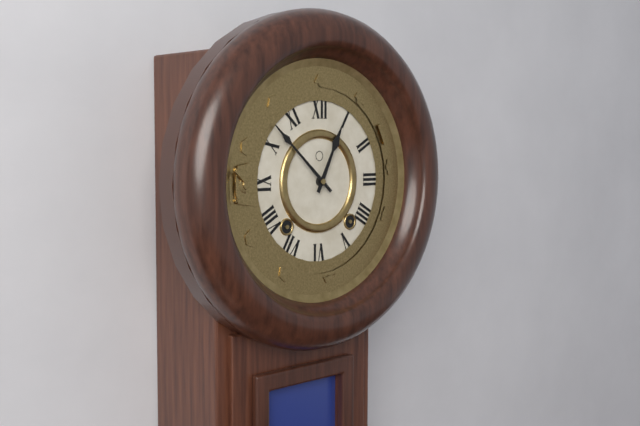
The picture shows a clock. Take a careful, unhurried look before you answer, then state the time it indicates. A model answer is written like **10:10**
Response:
**12:52**
